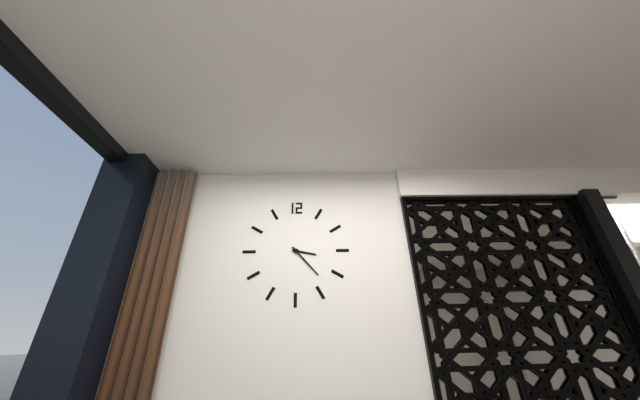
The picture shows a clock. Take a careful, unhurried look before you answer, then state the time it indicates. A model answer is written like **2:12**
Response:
**3:23**
